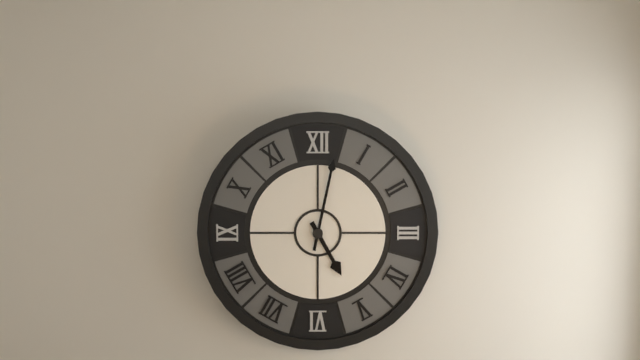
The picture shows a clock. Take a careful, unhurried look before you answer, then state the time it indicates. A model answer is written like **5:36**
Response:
**5:02**
